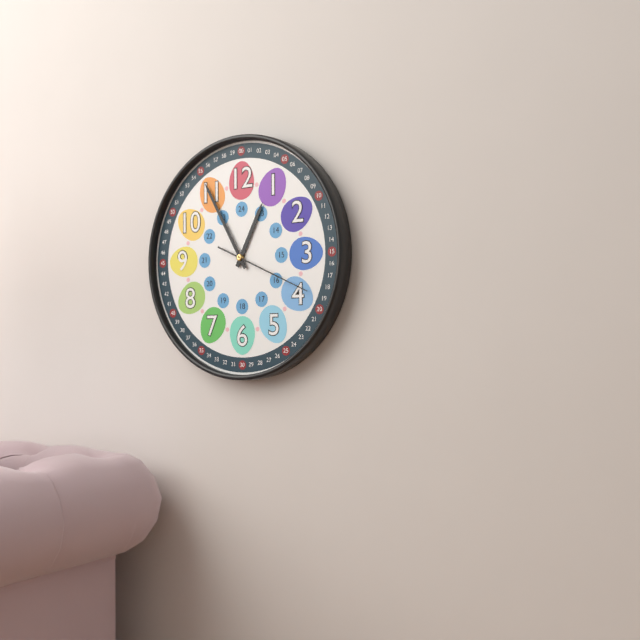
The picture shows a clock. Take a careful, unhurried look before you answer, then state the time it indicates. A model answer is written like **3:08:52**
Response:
**12:55:19**
